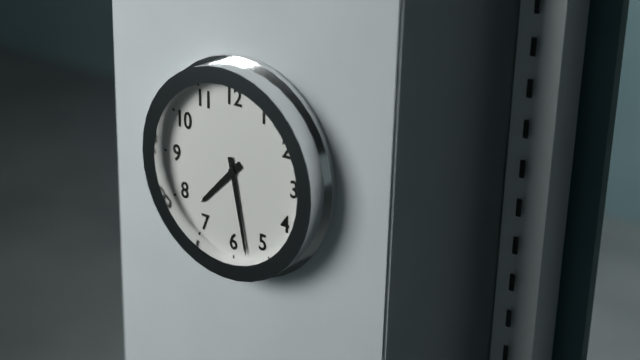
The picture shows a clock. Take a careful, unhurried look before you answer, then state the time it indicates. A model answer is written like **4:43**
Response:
**7:28**
